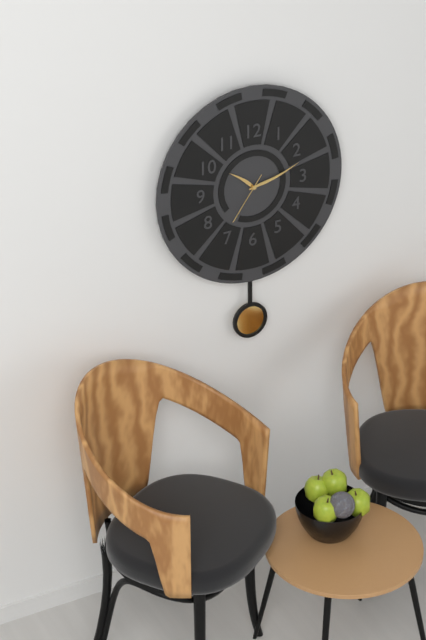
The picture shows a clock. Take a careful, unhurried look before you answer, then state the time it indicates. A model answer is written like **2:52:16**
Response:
**10:12:36**
